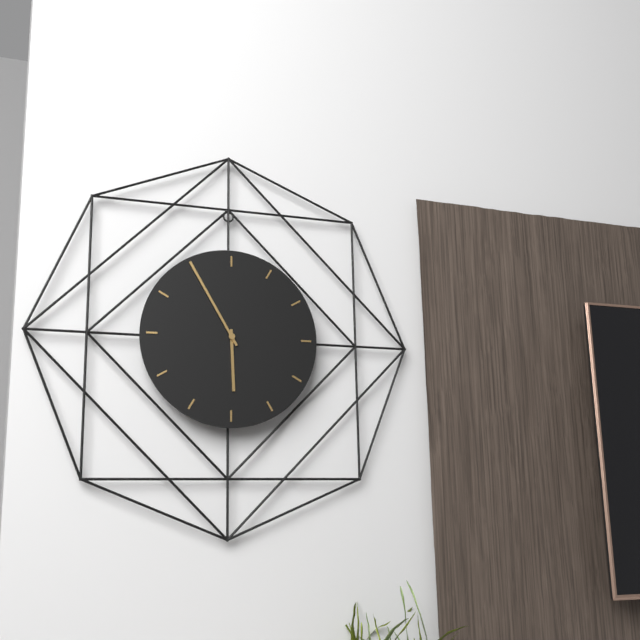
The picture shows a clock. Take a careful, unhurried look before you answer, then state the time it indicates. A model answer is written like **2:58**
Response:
**5:55**
